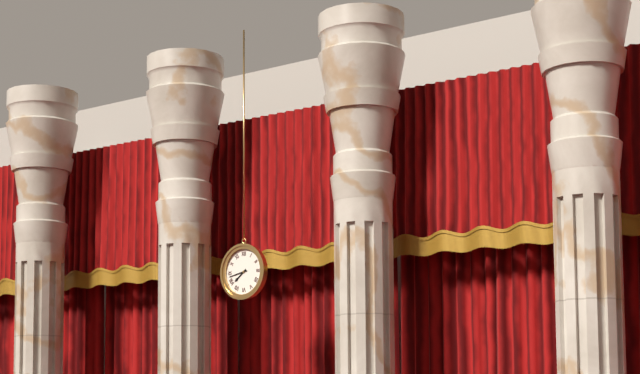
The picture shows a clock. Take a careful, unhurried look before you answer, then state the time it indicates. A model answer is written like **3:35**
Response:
**7:43**
